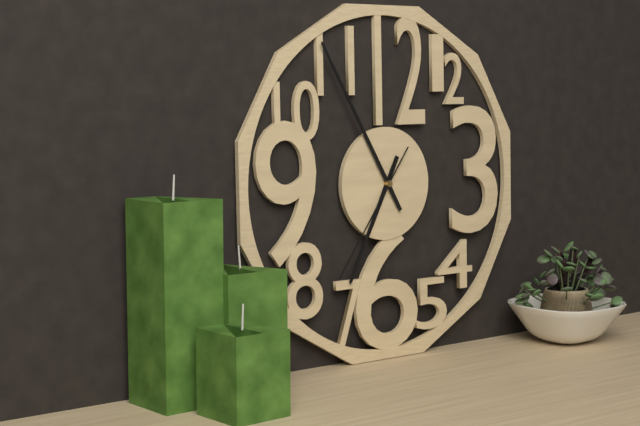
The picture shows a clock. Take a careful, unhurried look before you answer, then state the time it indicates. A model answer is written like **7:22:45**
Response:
**6:55:36**
